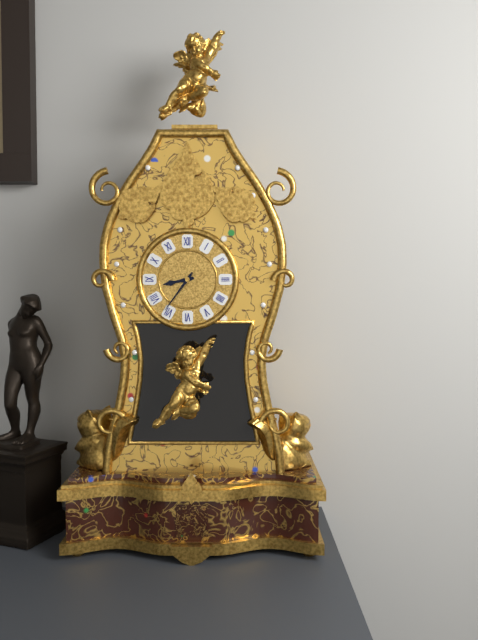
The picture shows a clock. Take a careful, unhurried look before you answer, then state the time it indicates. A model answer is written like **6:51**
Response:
**8:36**
